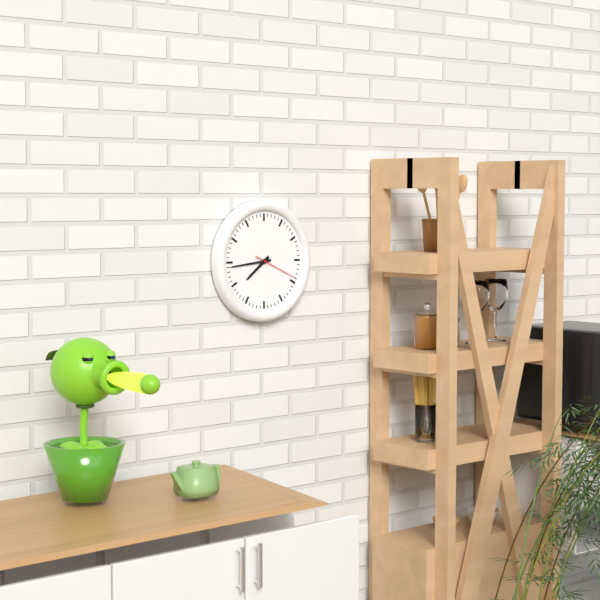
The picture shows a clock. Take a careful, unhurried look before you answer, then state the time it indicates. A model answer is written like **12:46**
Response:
**7:44**
